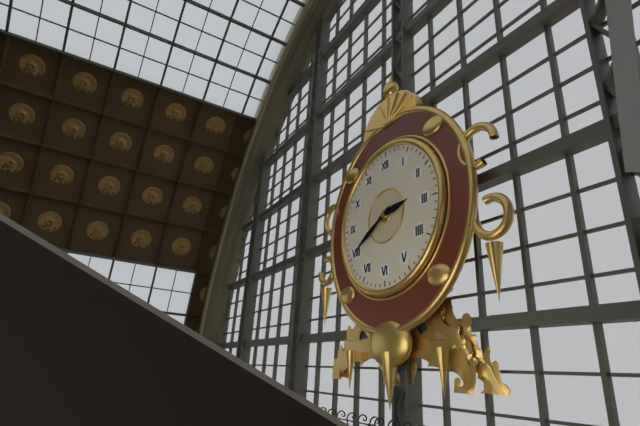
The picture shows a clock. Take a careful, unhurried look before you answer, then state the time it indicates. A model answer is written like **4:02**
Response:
**2:40**
